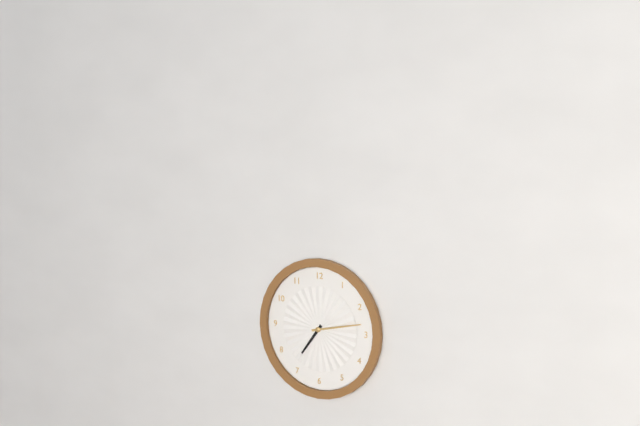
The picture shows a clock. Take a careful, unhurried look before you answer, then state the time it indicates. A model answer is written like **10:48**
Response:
**7:13**
